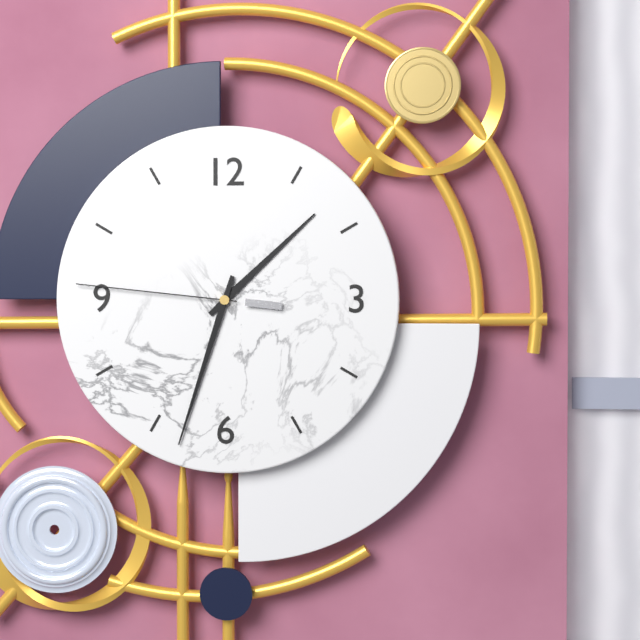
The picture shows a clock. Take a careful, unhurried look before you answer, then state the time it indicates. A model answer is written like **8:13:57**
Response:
**1:33:46**
